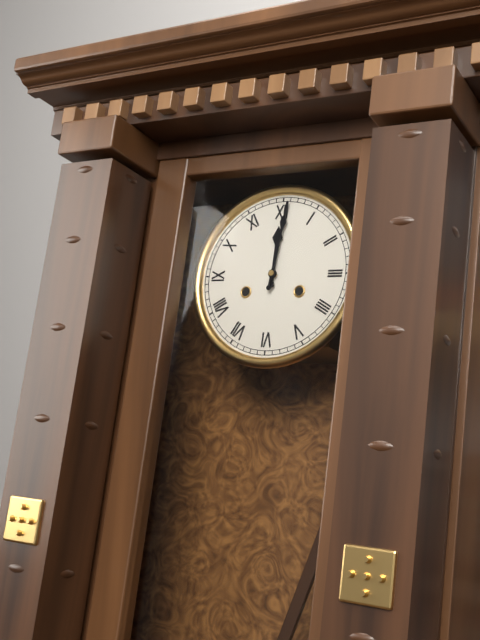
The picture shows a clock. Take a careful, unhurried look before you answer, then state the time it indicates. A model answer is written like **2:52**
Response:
**12:01**
